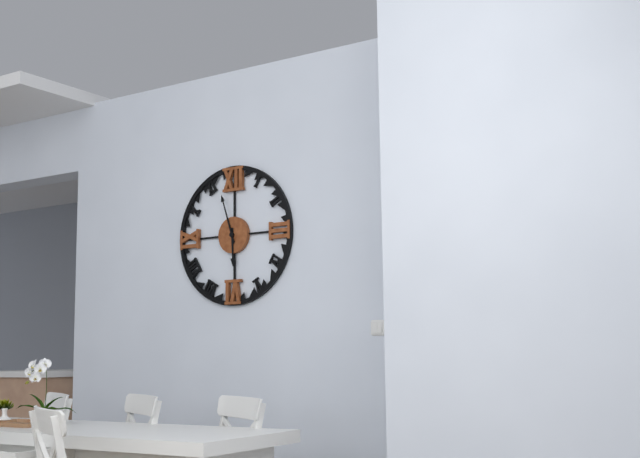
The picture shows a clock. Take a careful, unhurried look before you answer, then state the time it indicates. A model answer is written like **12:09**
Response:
**5:57**
